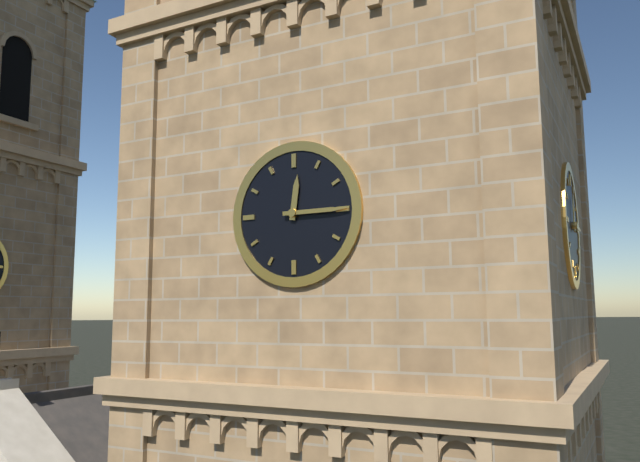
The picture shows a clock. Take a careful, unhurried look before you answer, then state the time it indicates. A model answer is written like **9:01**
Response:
**12:15**
